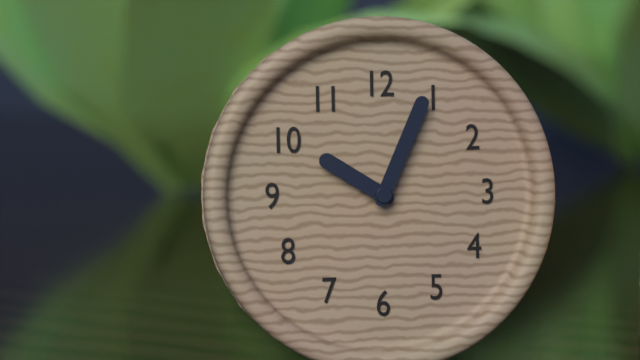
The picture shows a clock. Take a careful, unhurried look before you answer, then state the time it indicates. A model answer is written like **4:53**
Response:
**10:04**
